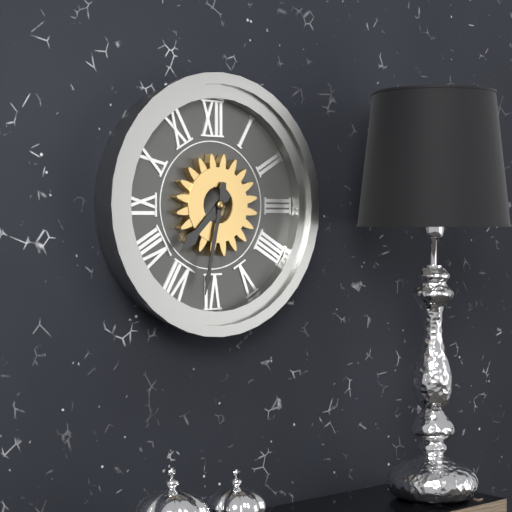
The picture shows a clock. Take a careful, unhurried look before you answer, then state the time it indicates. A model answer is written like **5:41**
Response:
**7:32**
